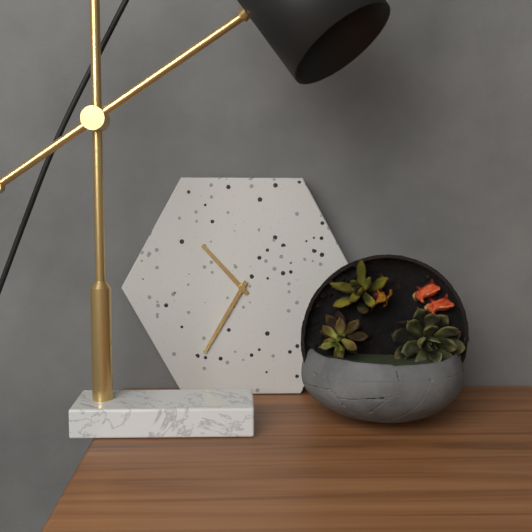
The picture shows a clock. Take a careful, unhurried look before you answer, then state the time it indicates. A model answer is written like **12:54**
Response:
**10:35**
